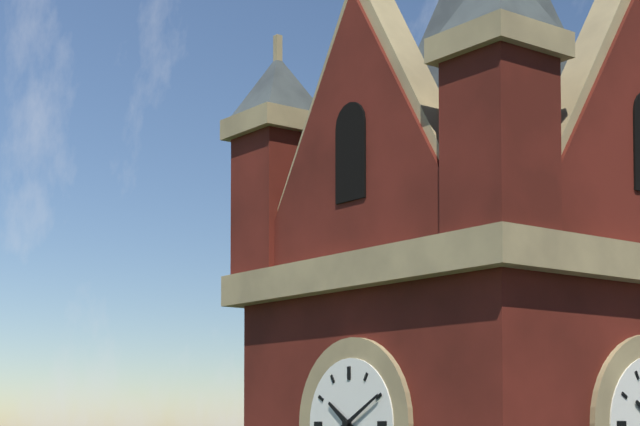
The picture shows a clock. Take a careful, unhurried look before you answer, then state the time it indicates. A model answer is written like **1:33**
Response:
**10:10**
